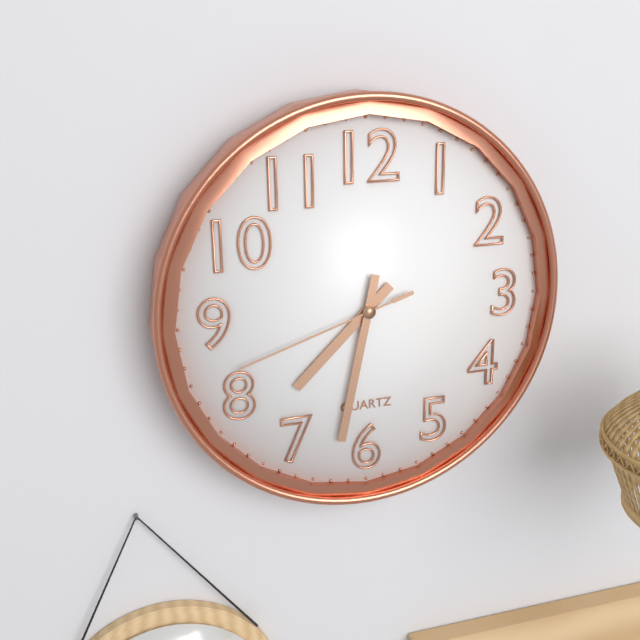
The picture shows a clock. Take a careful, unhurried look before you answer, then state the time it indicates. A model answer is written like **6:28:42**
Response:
**7:32:42**
